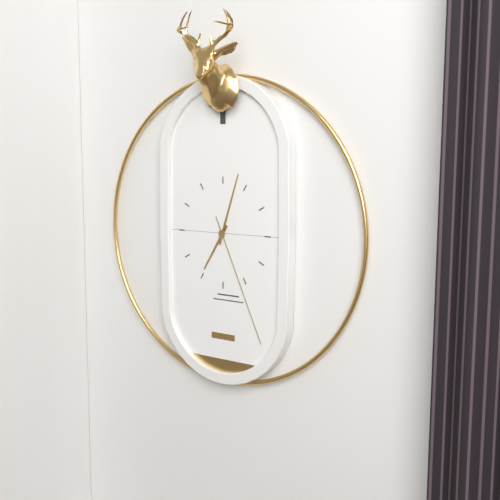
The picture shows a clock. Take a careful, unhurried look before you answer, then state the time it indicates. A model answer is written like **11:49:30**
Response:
**7:03:26**
